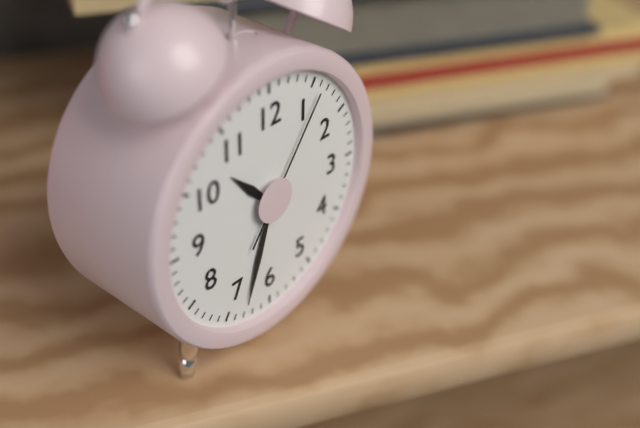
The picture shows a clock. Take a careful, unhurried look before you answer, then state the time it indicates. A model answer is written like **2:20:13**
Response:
**10:33:06**
